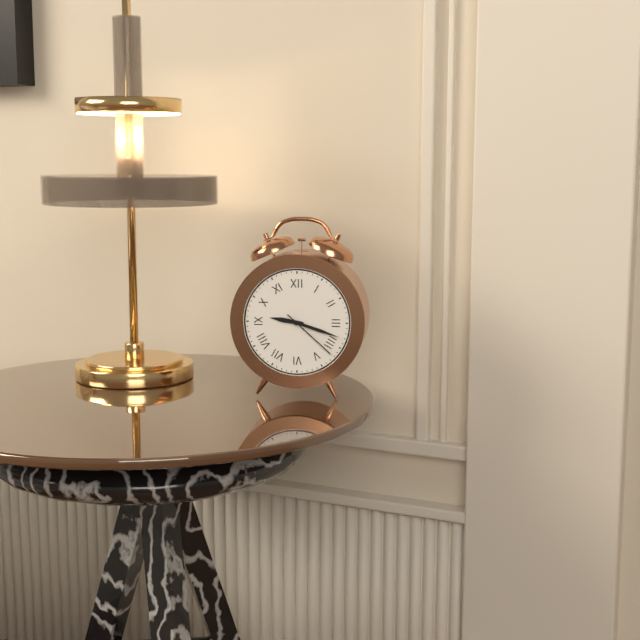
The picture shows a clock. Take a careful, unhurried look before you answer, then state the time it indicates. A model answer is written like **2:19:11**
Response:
**9:18:22**
